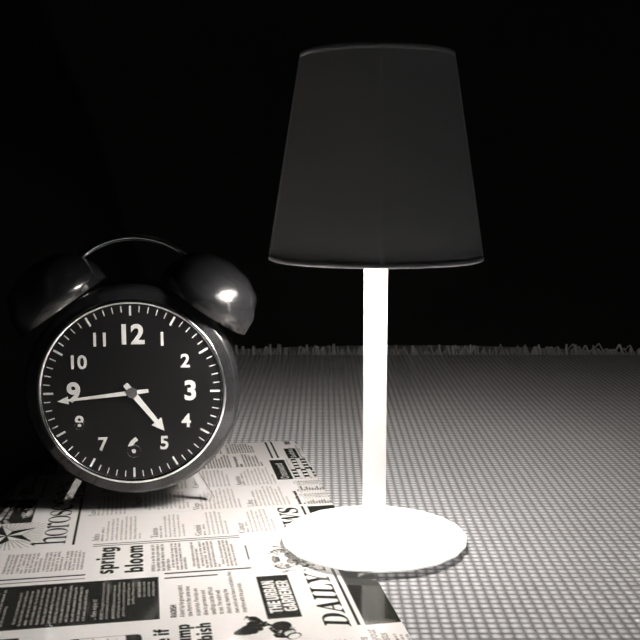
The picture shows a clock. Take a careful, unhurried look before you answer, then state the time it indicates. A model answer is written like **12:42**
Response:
**4:44**
